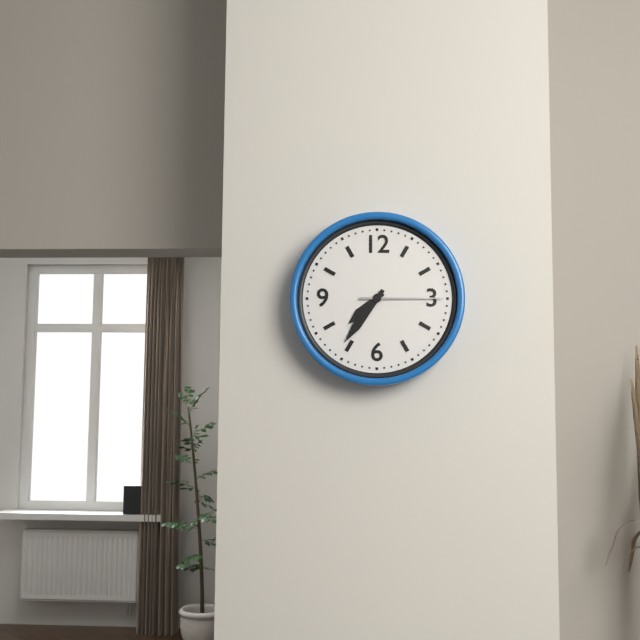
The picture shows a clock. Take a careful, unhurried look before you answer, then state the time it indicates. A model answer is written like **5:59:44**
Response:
**7:36:15**
